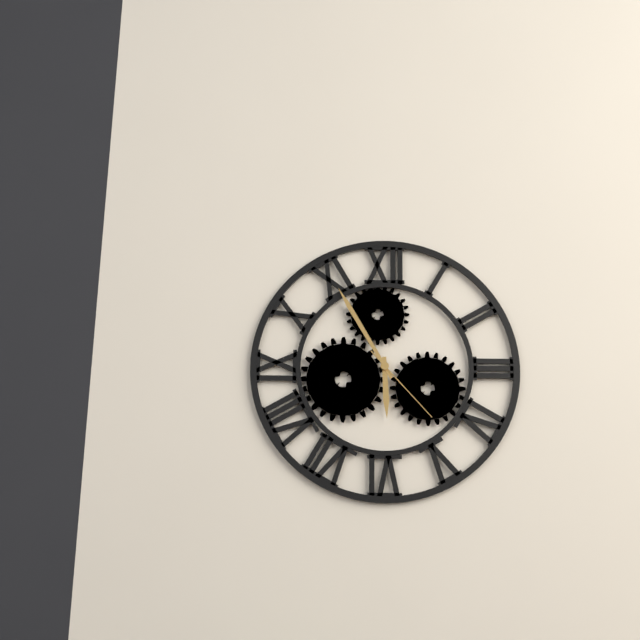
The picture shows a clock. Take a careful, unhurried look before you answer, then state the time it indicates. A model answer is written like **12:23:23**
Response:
**5:55:23**
